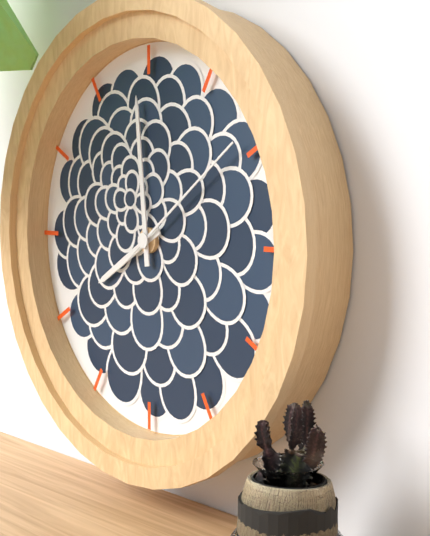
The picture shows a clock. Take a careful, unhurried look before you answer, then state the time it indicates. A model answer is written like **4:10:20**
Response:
**7:59:09**
